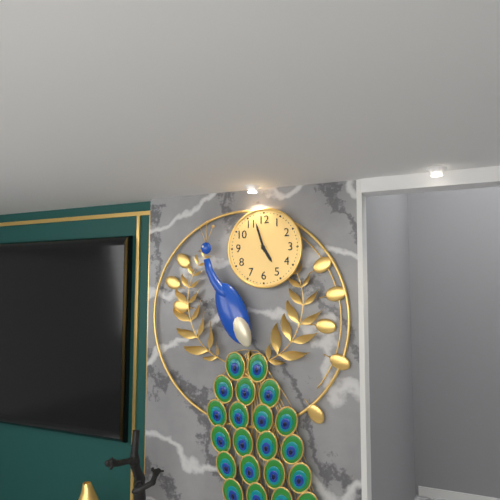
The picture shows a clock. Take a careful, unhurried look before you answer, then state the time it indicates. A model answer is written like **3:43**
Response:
**4:57**
